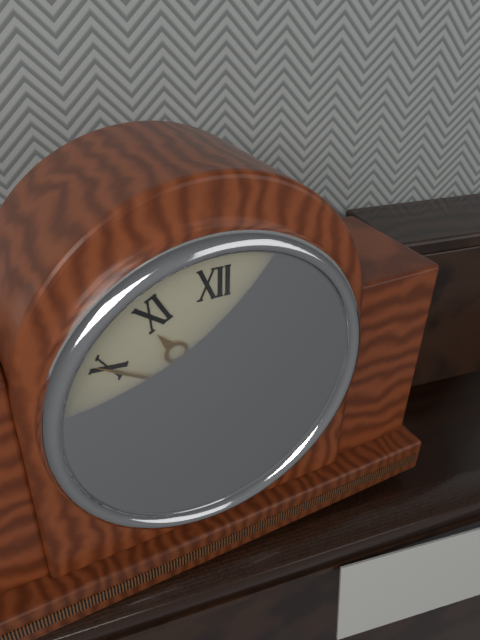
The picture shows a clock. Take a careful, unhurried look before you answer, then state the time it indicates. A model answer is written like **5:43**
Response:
**10:50**
